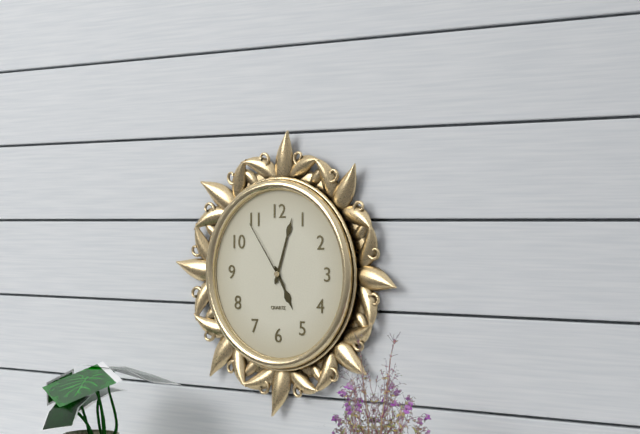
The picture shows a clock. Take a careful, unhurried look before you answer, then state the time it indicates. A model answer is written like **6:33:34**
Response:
**5:03:54**
